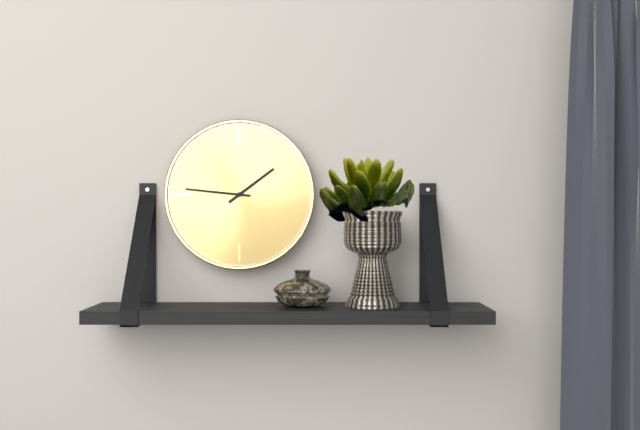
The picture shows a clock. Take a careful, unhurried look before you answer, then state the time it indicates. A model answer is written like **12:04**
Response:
**1:46**
